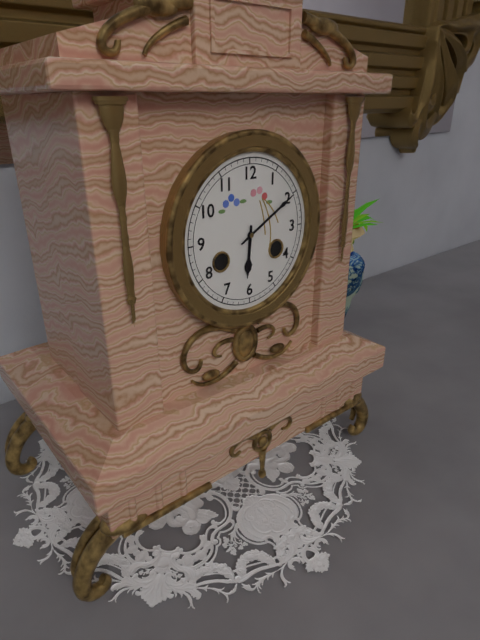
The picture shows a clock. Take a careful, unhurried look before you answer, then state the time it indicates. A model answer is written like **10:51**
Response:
**6:10**
